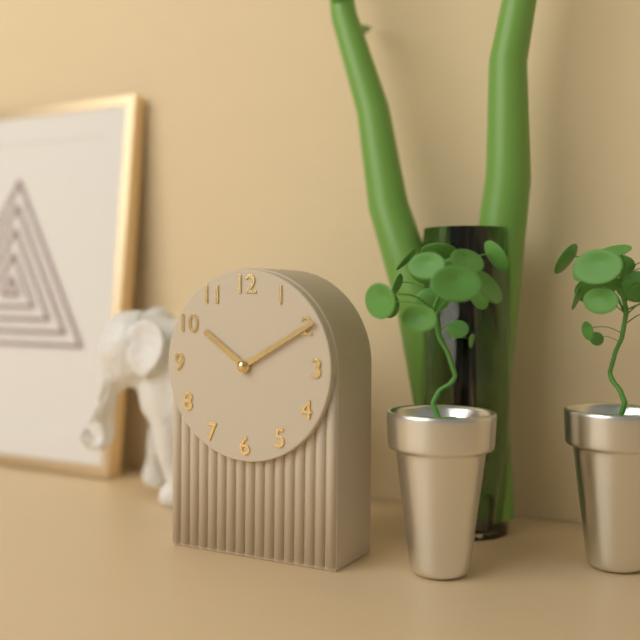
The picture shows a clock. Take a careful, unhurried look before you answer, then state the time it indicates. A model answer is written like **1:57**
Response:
**10:10**
